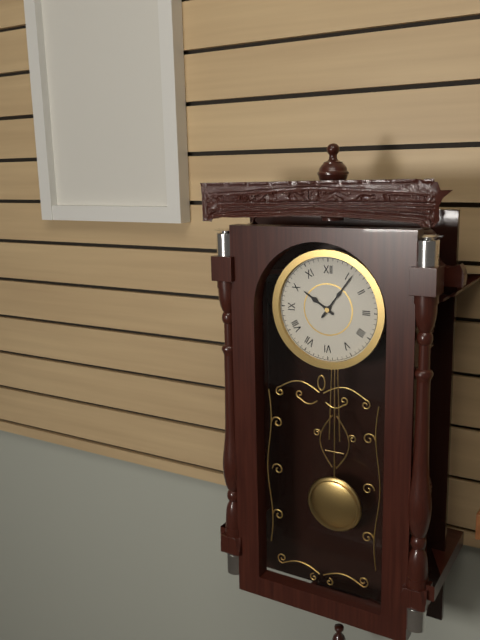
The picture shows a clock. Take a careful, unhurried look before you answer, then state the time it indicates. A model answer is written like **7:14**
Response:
**10:06**
